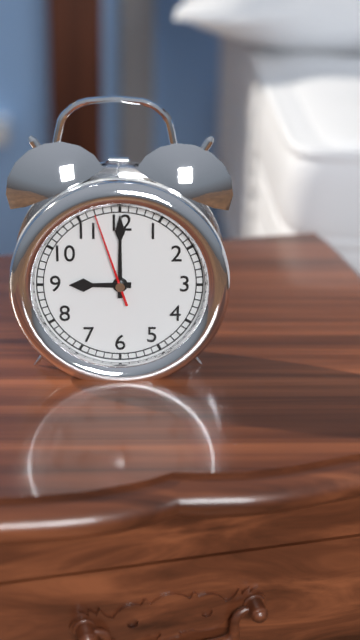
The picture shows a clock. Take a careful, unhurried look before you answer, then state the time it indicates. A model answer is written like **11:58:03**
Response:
**9:00:57**
